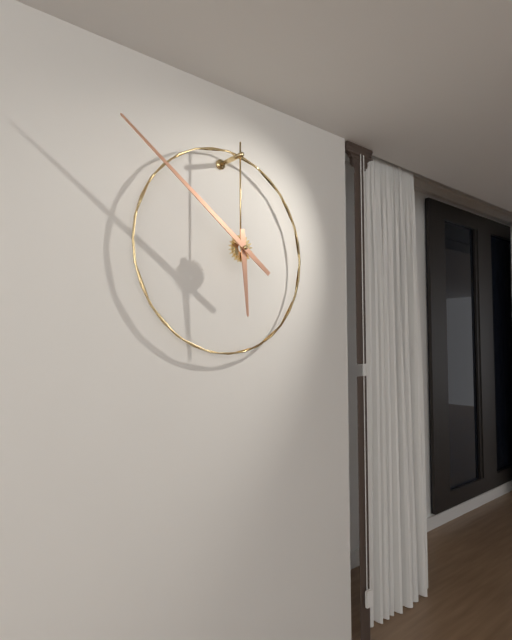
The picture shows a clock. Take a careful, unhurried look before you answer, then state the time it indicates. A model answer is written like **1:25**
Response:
**5:51**
